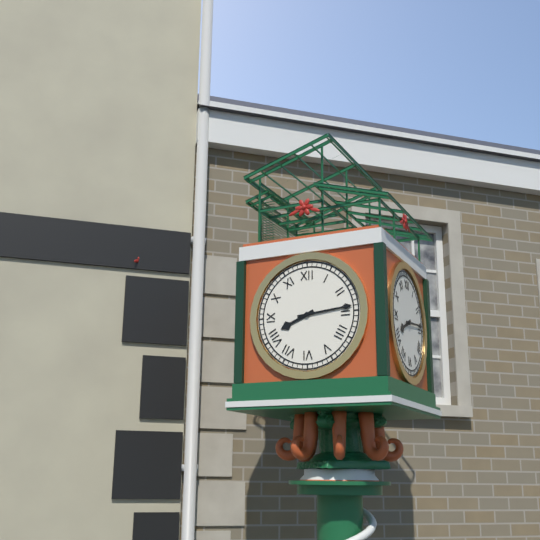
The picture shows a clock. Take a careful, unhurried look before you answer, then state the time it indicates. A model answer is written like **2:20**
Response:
**8:14**
